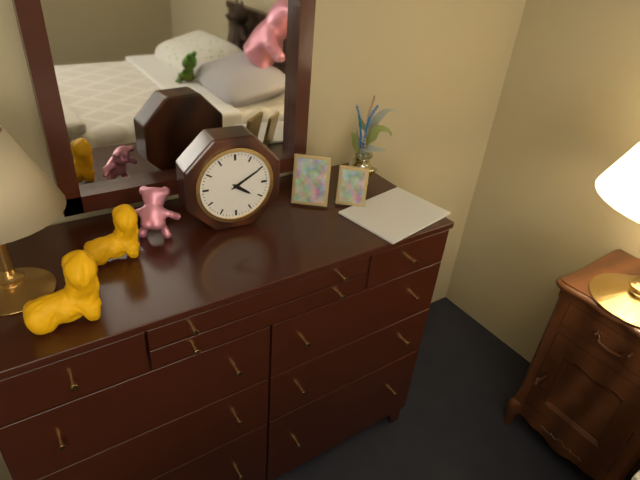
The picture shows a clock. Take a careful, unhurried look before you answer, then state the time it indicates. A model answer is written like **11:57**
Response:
**4:10**
